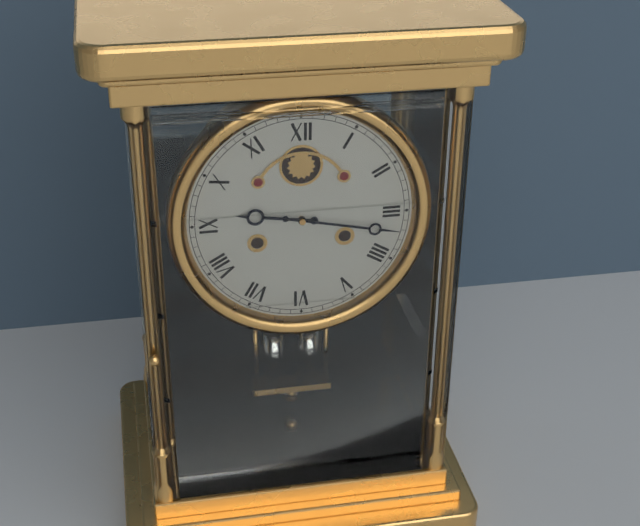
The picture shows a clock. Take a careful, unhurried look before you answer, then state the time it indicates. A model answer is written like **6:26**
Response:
**9:17**
